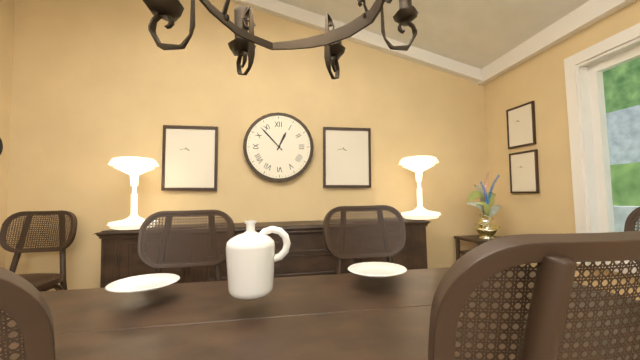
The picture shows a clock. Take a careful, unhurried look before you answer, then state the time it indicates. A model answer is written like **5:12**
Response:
**12:53**
